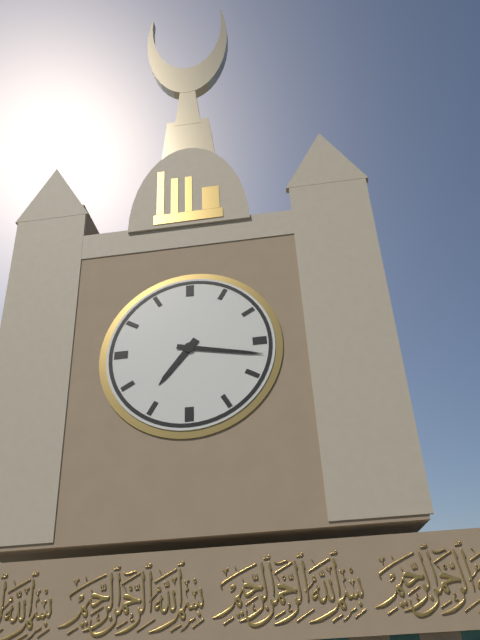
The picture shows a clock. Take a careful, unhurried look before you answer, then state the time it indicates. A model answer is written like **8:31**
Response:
**7:17**
